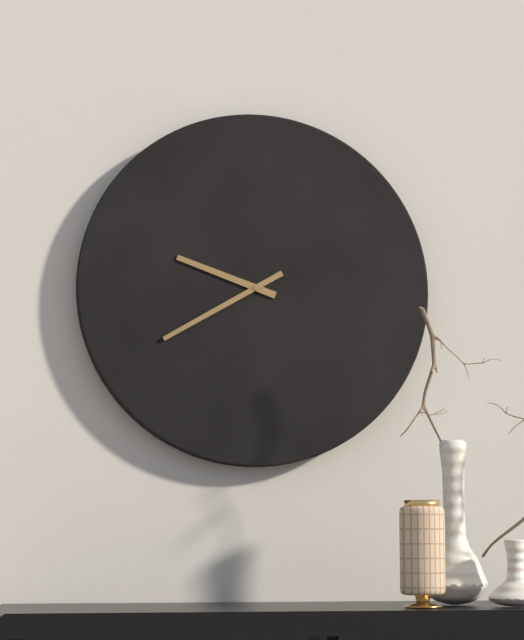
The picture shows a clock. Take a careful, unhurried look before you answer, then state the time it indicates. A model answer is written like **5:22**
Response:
**9:40**
